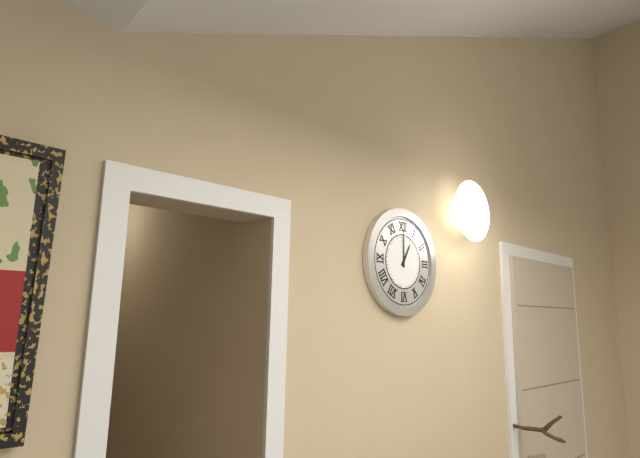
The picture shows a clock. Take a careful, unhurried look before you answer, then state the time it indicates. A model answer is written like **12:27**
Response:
**1:00**
